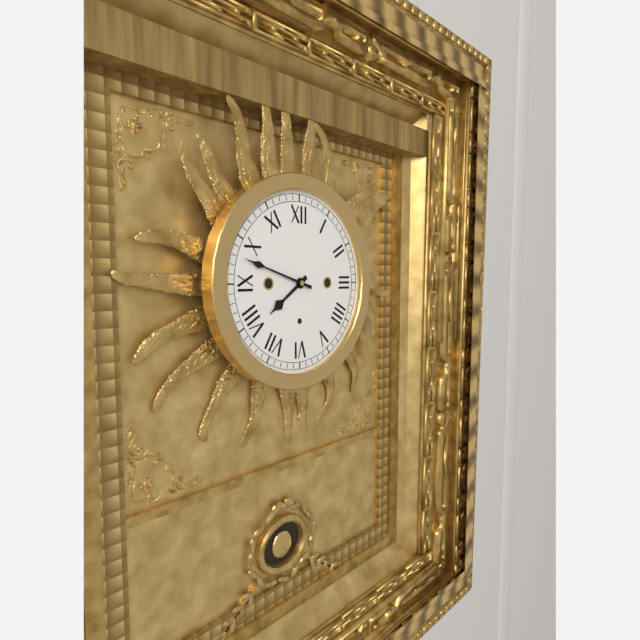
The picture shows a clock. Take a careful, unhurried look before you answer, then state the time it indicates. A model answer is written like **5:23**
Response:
**7:48**
